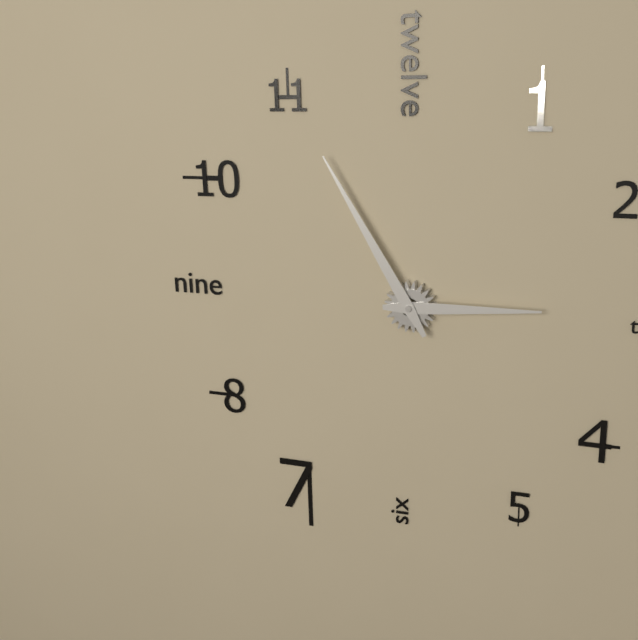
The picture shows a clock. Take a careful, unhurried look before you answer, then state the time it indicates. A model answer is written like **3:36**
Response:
**2:55**
